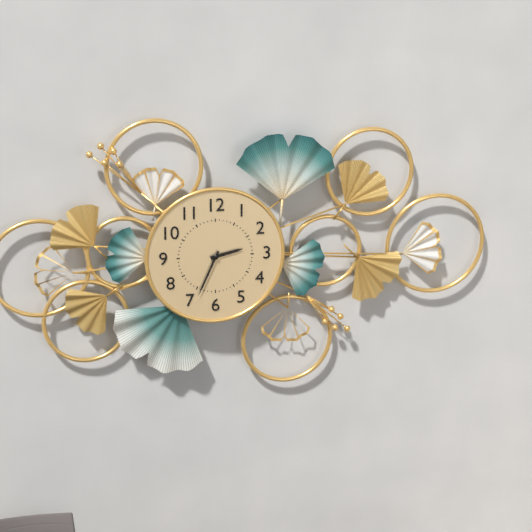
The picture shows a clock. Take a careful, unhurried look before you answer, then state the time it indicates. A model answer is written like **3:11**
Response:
**2:34**
